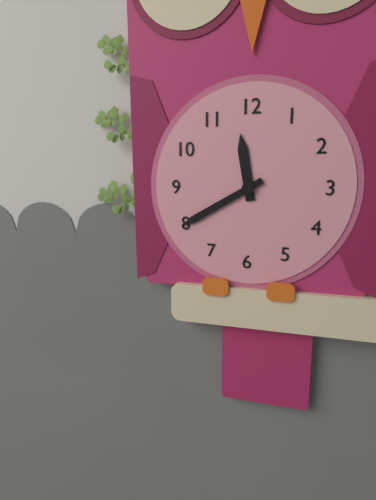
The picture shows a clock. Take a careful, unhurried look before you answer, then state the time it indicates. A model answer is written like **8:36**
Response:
**11:40**
